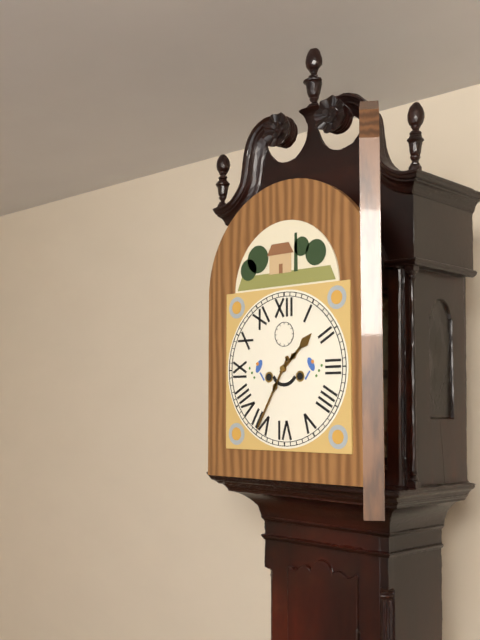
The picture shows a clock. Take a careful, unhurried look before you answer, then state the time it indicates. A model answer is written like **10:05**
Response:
**1:35**
